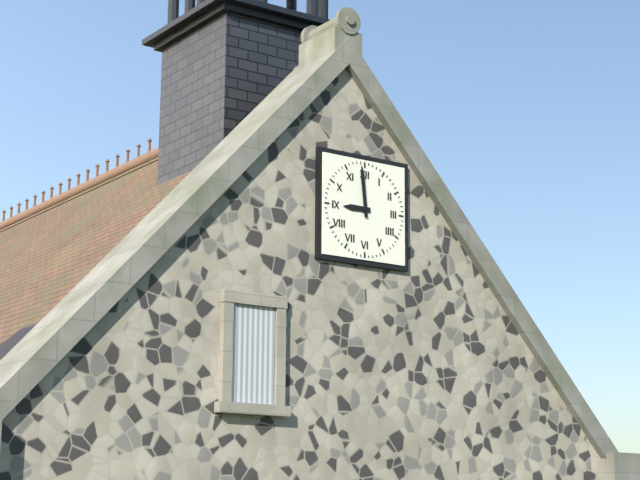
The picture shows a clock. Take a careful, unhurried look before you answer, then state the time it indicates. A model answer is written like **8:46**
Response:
**8:59**
